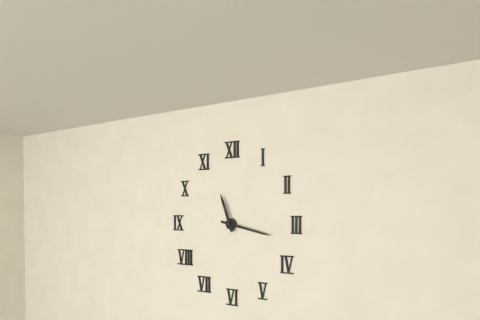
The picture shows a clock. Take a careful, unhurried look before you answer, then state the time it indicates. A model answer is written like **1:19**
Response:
**11:17**
